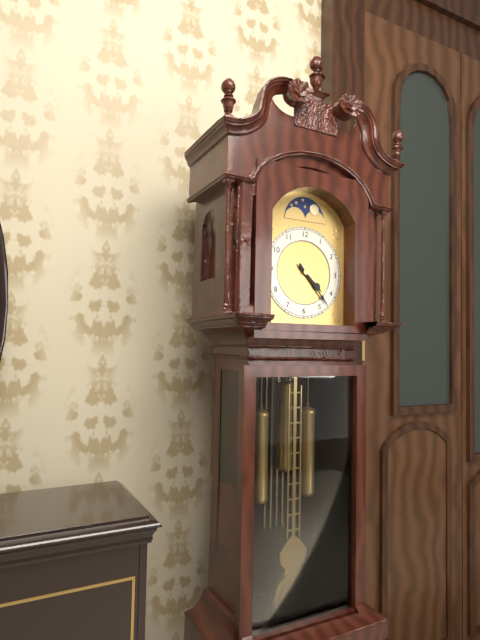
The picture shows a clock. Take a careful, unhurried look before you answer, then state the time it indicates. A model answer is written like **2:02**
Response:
**4:23**
